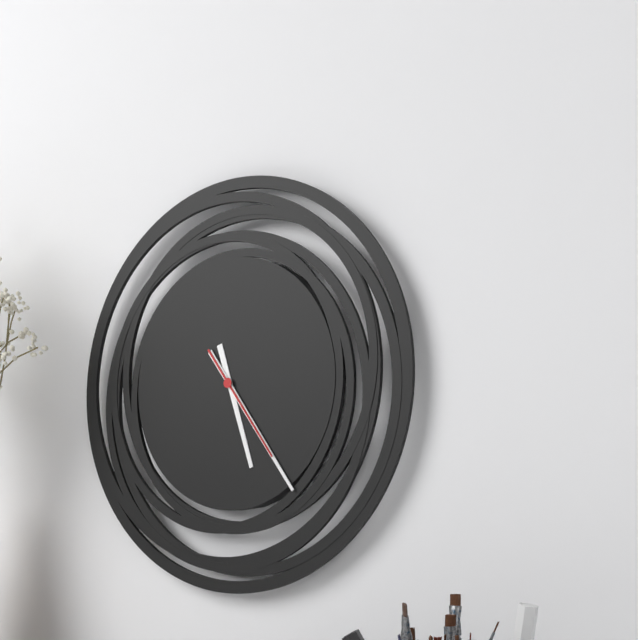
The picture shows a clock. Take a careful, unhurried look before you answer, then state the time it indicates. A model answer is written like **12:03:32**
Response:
**5:24:24**
